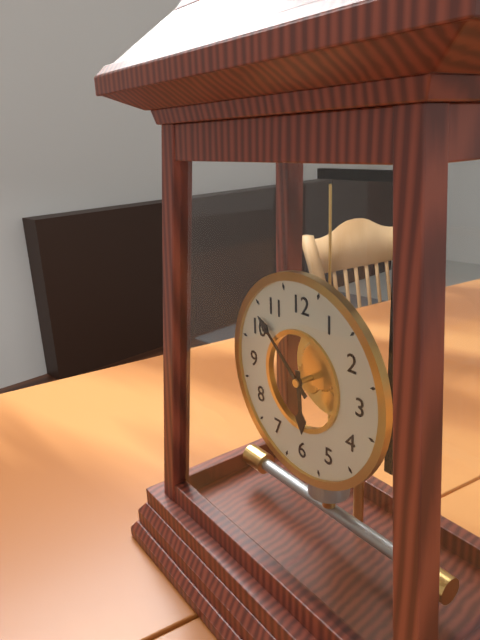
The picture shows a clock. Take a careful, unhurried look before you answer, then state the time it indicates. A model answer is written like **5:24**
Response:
**5:52**
